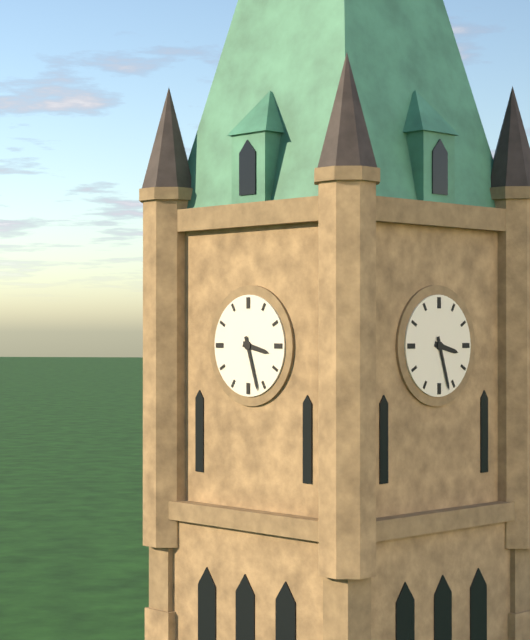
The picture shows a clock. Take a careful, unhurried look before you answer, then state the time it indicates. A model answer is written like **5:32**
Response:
**3:27**
